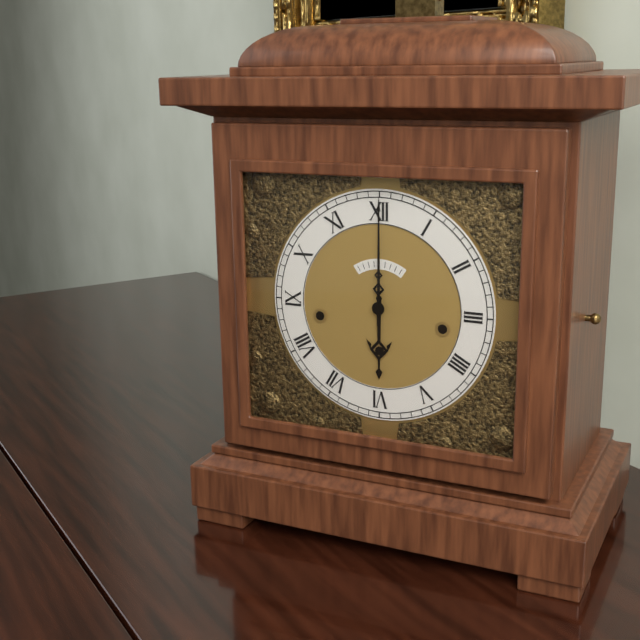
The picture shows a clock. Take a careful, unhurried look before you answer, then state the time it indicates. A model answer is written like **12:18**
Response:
**6:00**
